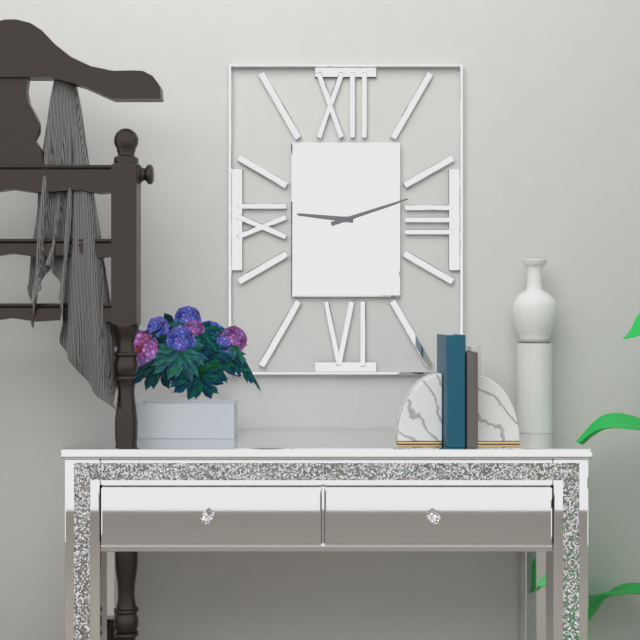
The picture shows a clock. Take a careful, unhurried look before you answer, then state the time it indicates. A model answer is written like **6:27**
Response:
**9:12**
